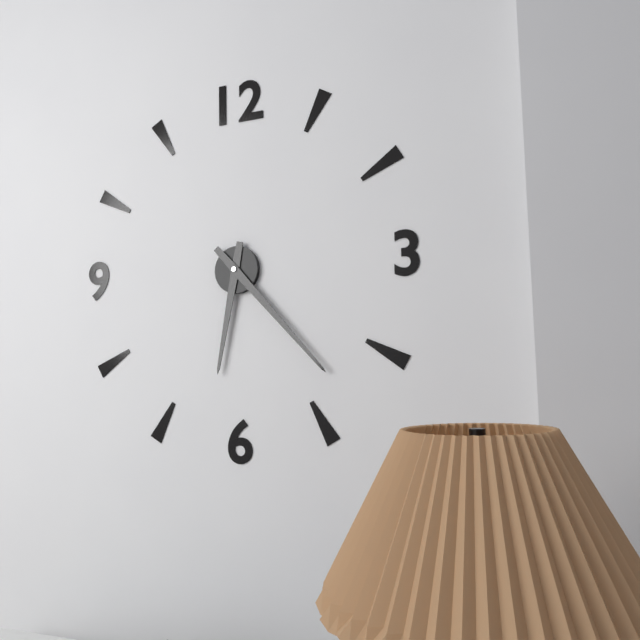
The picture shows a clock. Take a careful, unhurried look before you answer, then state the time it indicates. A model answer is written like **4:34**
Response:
**6:23**
